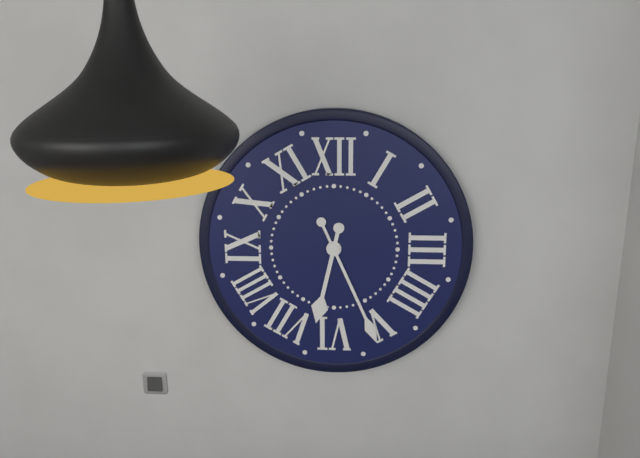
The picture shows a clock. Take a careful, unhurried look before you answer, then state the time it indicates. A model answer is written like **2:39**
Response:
**6:26**
